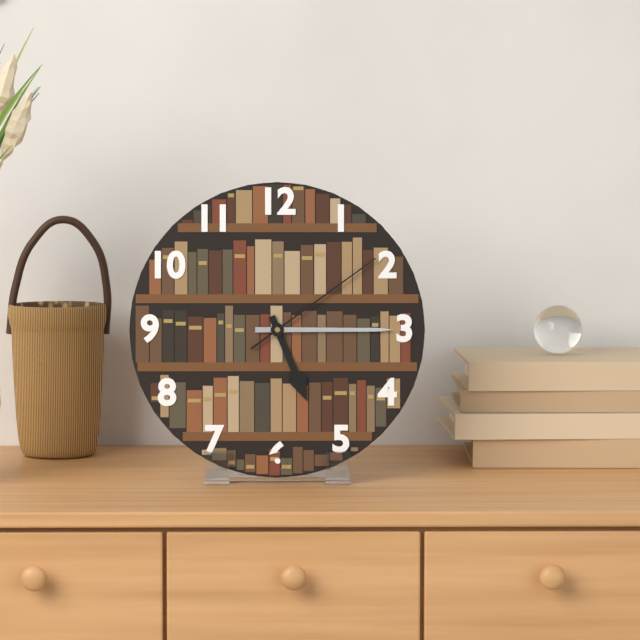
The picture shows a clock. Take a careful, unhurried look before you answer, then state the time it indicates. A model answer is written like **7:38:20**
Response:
**5:15:09**
